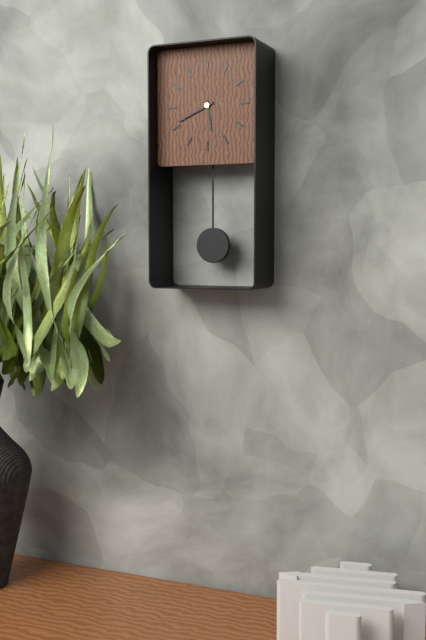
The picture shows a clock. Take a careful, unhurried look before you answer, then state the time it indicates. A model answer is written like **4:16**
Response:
**5:41**
